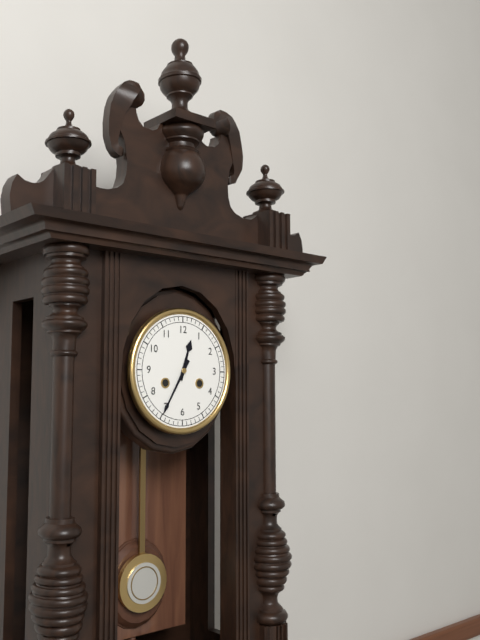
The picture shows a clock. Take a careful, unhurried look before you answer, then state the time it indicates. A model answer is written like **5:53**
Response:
**12:35**
